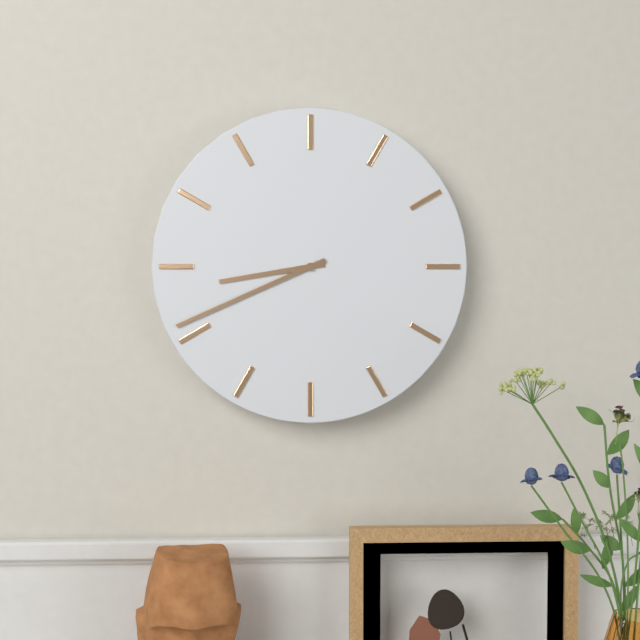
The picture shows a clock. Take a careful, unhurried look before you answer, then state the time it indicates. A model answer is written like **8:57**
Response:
**8:41**
